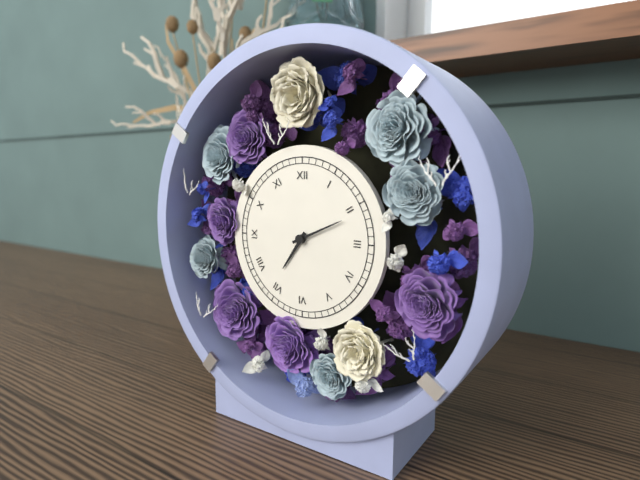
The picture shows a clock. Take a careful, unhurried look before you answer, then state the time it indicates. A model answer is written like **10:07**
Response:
**7:11**
